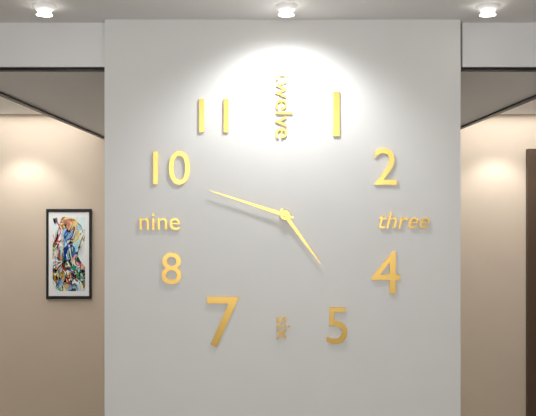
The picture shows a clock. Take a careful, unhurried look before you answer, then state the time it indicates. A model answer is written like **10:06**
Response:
**4:48**
